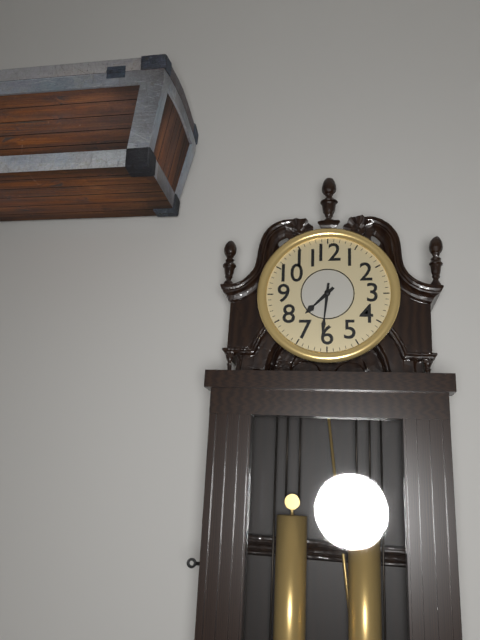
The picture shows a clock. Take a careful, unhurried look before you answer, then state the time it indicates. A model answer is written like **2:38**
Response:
**7:31**
